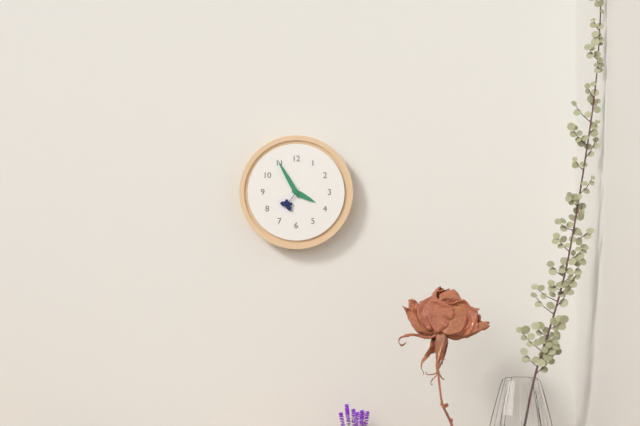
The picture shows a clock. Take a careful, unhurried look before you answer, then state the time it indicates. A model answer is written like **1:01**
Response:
**3:55**
